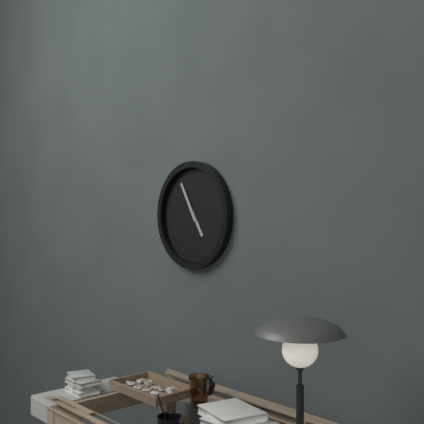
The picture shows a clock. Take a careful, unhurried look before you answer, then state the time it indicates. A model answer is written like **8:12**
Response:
**4:55**
